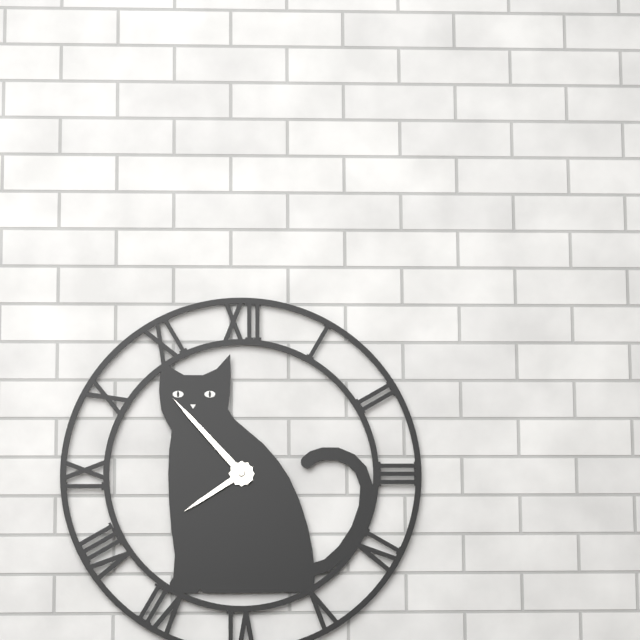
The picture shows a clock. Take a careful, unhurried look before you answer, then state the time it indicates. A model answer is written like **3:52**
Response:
**7:53**
